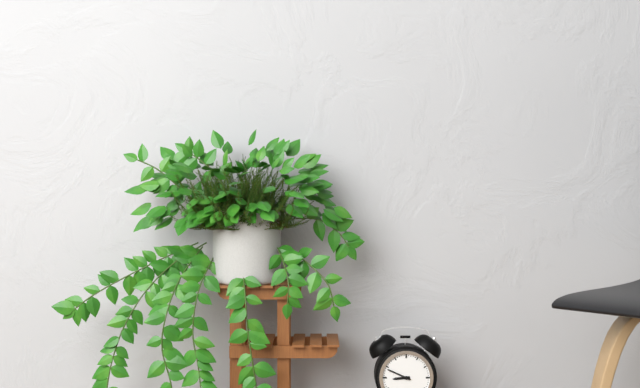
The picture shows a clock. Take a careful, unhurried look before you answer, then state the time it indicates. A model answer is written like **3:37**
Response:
**8:49**
